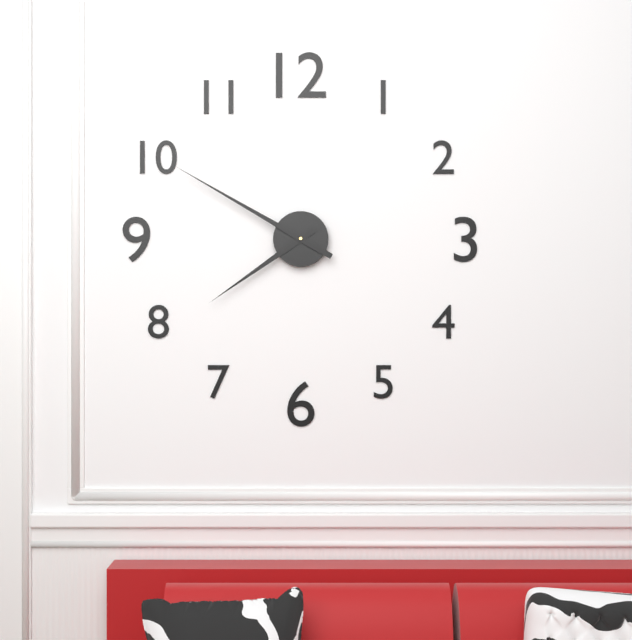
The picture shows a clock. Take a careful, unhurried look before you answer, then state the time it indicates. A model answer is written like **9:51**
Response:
**7:50**
